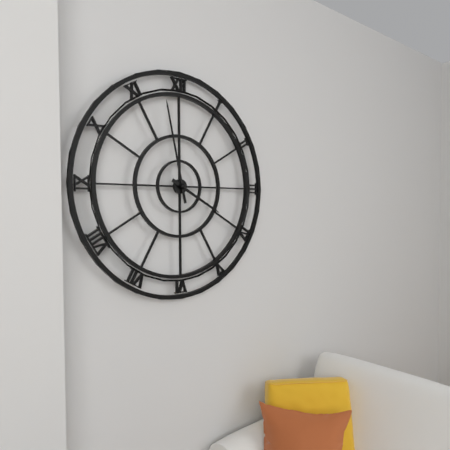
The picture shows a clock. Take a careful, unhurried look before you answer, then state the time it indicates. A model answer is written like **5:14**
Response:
**3:58**
